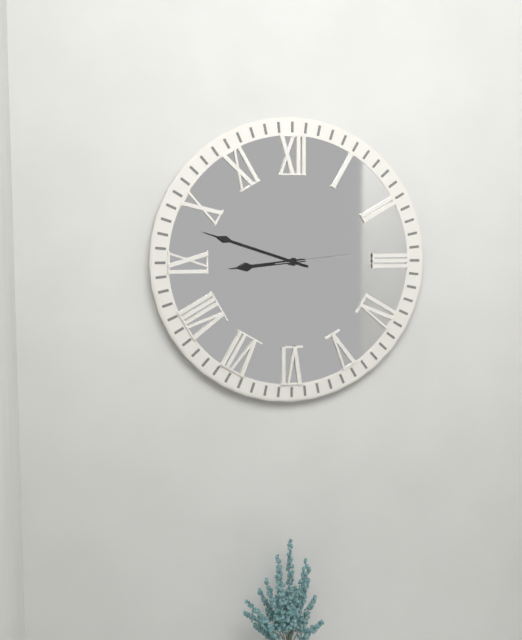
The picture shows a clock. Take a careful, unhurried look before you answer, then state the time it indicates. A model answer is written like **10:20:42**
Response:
**8:48:14**
